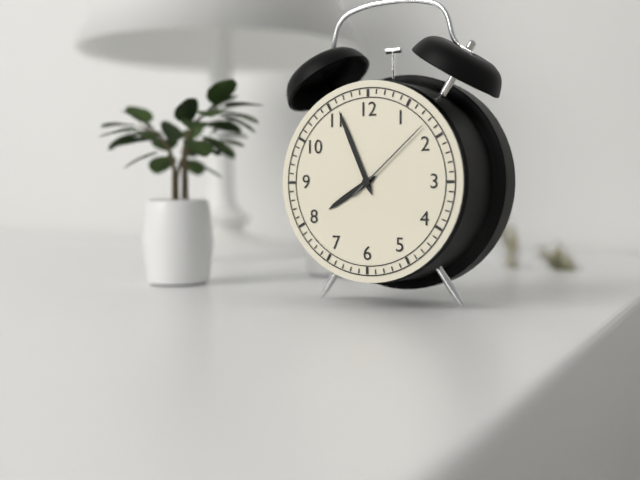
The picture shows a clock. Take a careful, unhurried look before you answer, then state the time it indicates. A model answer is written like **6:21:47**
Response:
**7:56:08**
